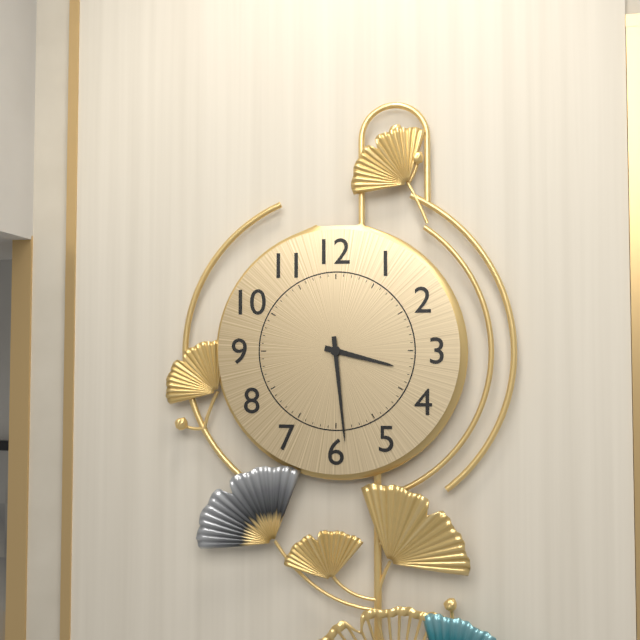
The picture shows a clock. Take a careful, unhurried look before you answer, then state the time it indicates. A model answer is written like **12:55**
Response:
**3:29**
